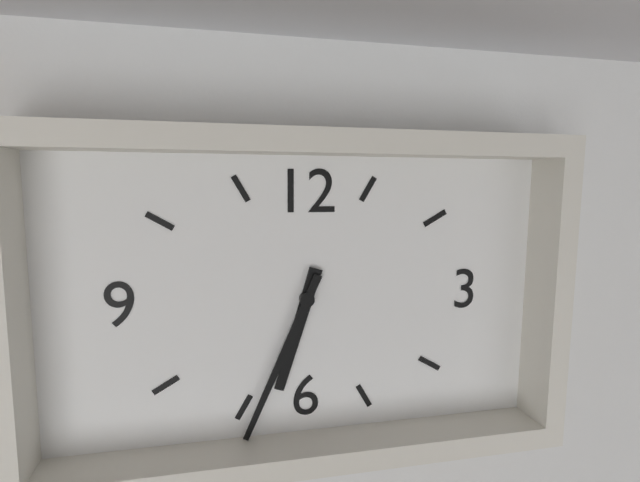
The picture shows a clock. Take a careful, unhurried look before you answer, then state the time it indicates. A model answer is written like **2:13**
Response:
**6:34**
